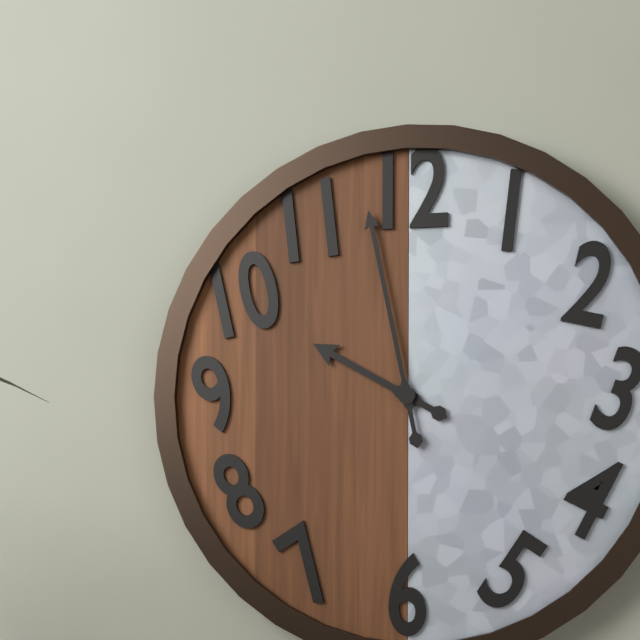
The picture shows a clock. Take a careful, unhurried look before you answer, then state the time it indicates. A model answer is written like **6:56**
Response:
**9:58**
